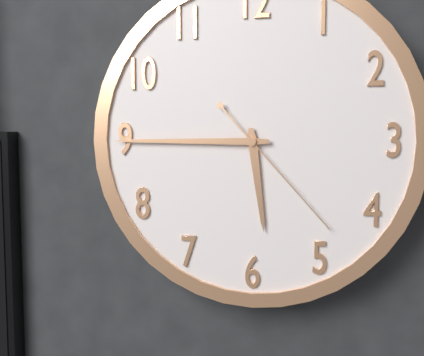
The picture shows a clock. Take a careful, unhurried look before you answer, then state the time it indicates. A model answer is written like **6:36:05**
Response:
**5:45:23**
